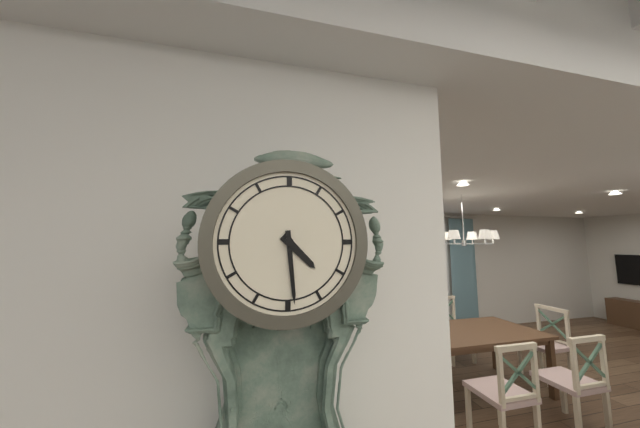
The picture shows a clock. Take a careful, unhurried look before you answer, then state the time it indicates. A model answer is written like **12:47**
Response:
**4:29**
